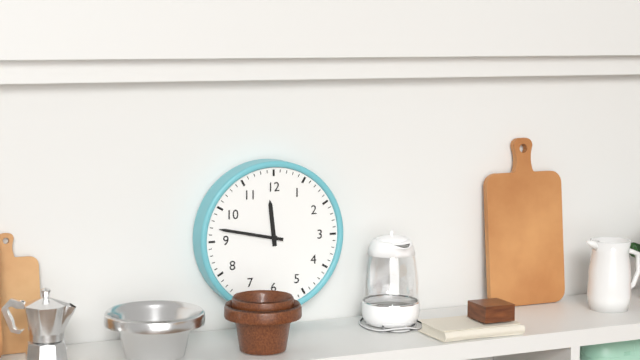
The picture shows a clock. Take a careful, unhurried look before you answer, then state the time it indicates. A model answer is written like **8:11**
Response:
**11:47**
